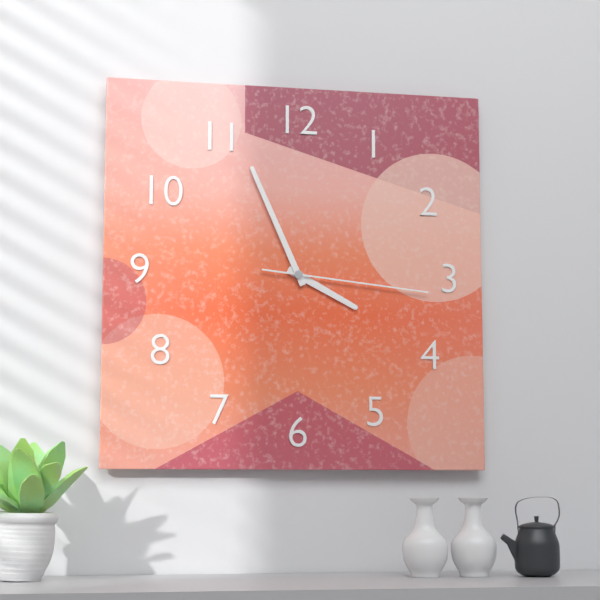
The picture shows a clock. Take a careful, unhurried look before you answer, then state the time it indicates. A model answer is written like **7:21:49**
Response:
**3:56:16**
